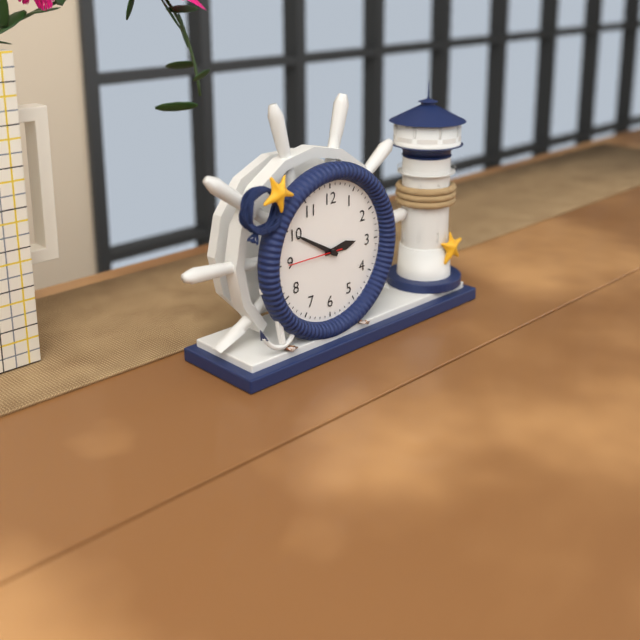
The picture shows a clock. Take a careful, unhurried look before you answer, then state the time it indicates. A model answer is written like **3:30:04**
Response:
**2:50:45**
